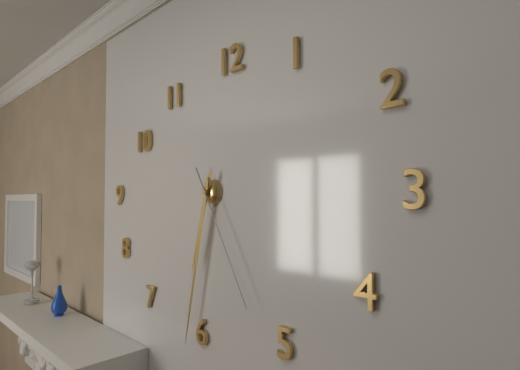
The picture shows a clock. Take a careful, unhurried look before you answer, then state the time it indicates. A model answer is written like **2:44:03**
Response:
**6:32:25**
